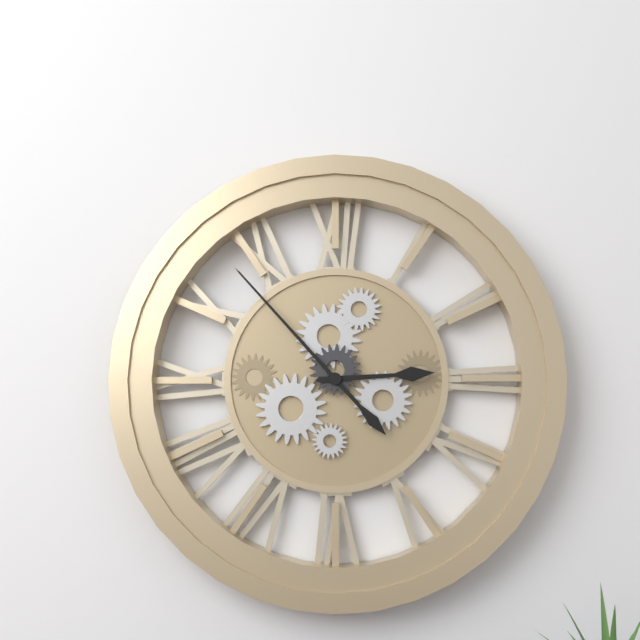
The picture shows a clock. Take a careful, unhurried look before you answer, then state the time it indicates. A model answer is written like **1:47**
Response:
**2:53**
